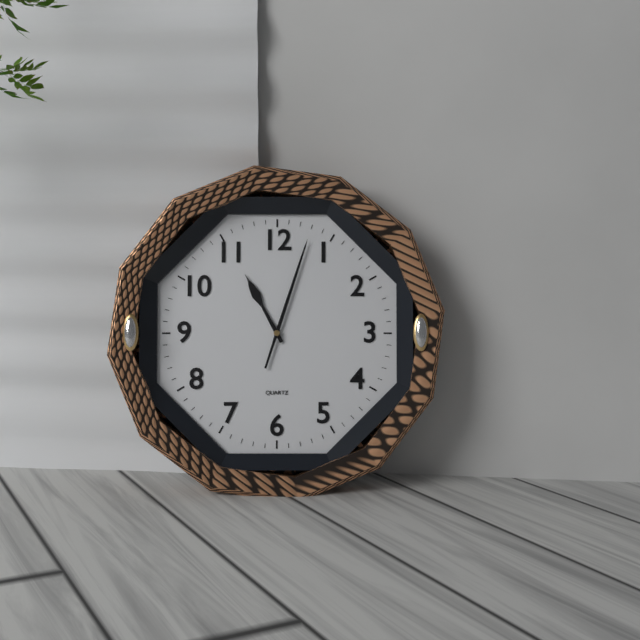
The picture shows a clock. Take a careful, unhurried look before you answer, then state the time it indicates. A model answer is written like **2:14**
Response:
**11:03**
